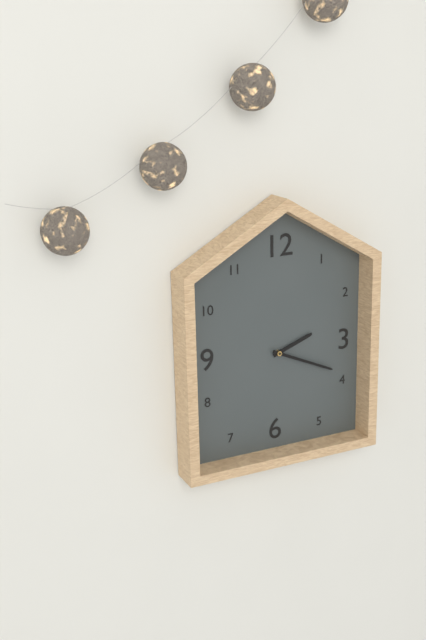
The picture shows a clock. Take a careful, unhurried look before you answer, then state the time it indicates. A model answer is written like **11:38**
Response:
**2:19**
